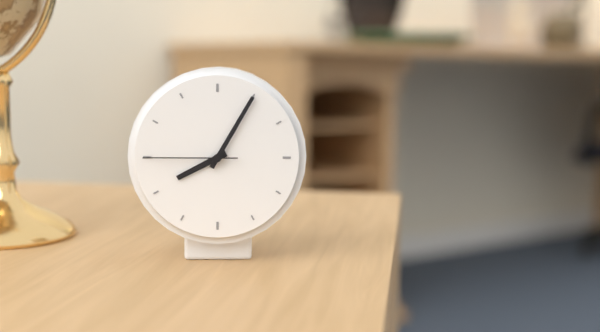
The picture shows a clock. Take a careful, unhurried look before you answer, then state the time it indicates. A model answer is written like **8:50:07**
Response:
**8:05:45**
